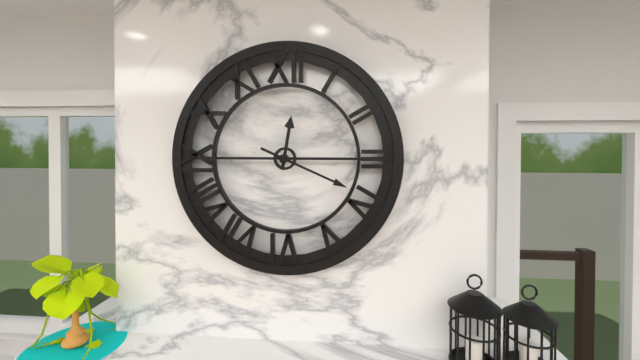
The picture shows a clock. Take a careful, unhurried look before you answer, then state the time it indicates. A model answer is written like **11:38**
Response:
**12:19**
